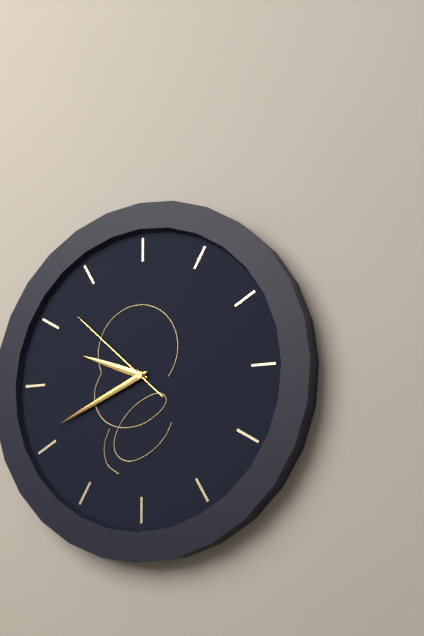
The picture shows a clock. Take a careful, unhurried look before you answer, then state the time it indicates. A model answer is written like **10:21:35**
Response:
**9:41:52**
